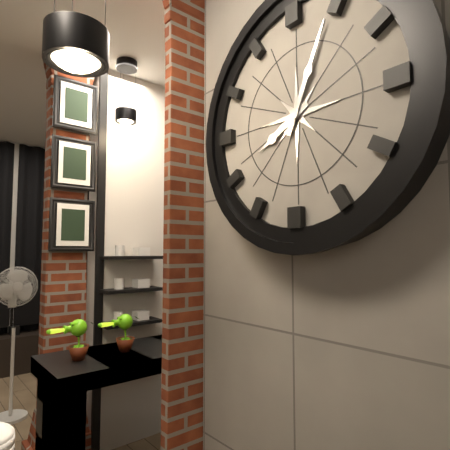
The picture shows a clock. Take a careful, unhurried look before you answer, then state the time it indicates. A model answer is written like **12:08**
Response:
**8:04**
